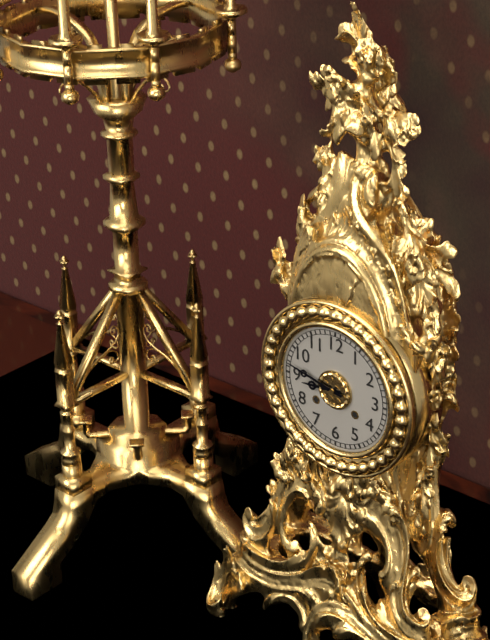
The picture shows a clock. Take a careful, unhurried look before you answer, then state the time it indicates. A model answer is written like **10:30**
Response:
**8:47**
